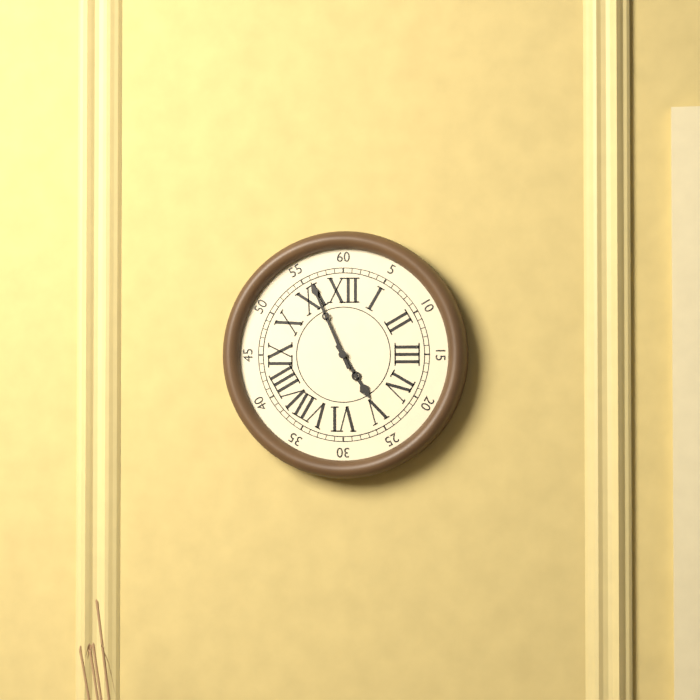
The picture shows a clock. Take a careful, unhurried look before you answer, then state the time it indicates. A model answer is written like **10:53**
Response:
**4:56**
